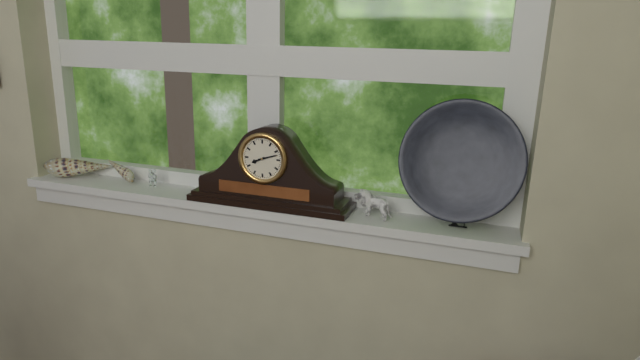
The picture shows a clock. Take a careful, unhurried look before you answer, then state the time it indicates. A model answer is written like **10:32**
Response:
**8:12**
